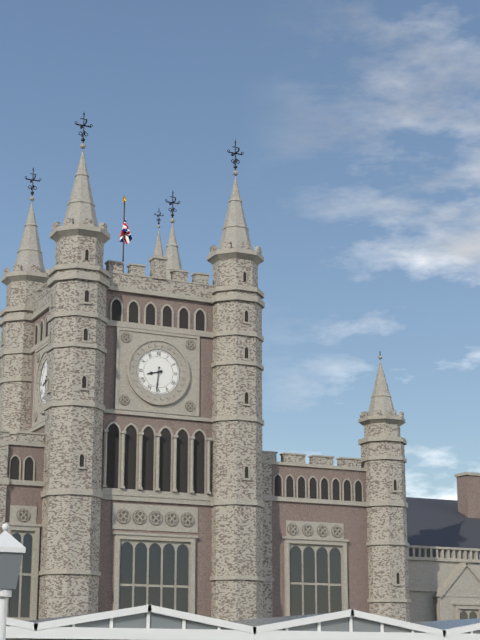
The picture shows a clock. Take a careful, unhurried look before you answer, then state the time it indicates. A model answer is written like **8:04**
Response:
**8:31**
